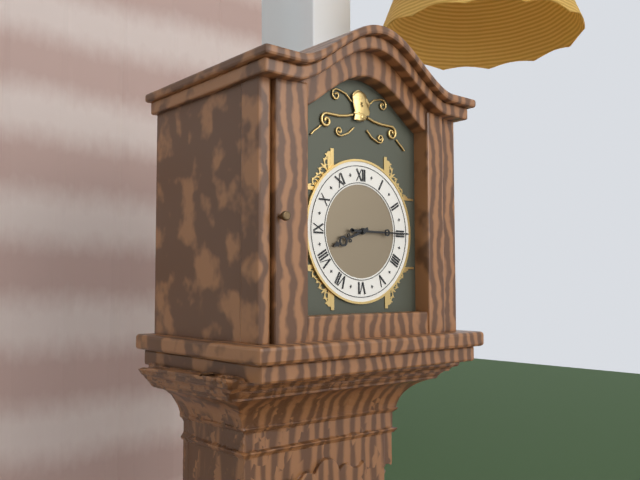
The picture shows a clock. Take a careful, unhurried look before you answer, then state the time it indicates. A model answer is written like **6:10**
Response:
**8:15**
